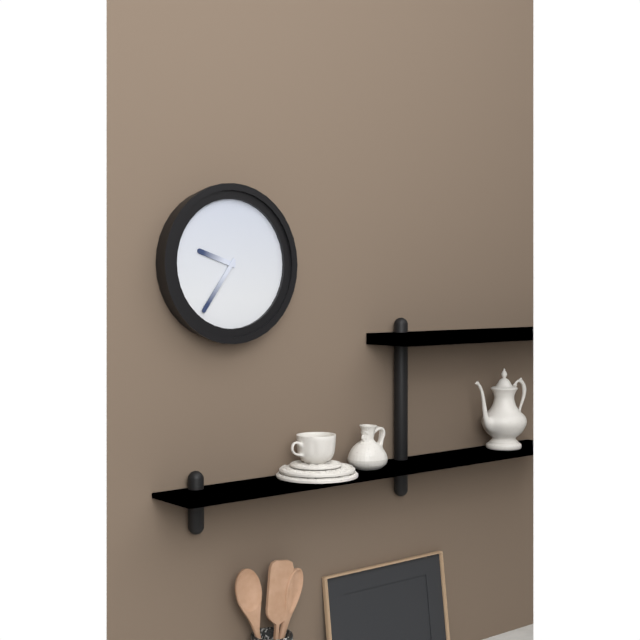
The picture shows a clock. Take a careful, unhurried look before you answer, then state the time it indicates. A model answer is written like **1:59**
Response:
**9:36**
